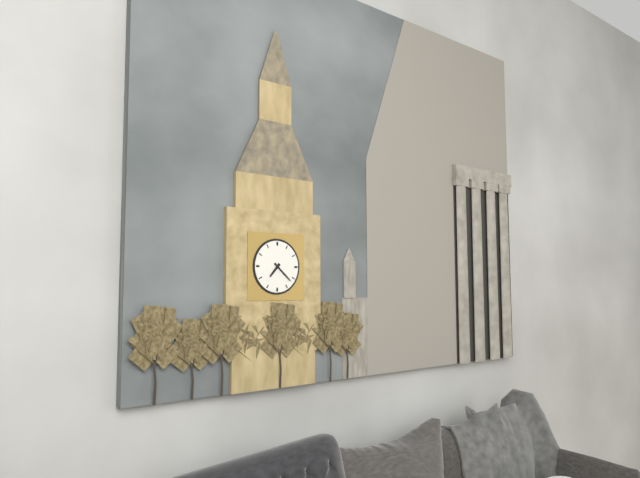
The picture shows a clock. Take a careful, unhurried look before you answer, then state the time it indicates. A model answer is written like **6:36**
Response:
**7:22**
